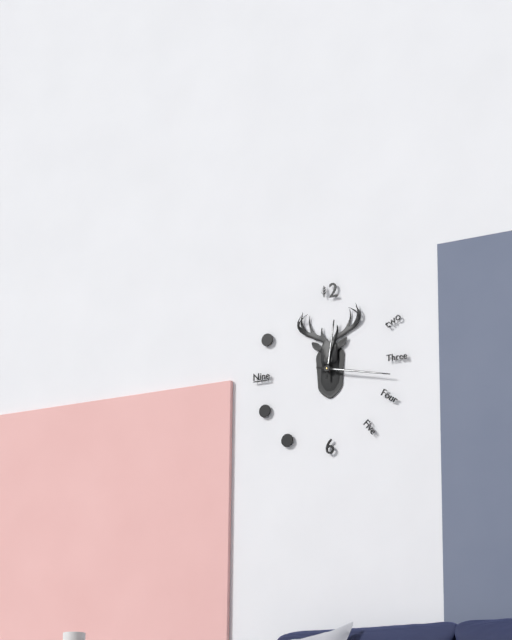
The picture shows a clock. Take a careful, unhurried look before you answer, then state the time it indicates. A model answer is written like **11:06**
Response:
**12:17**
